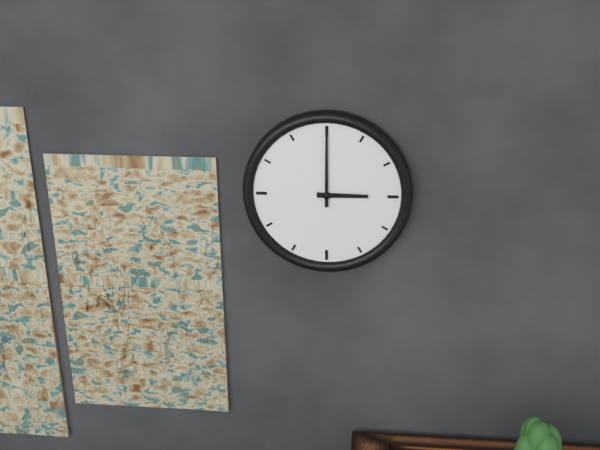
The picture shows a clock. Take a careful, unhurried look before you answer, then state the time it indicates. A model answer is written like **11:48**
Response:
**3:00**
